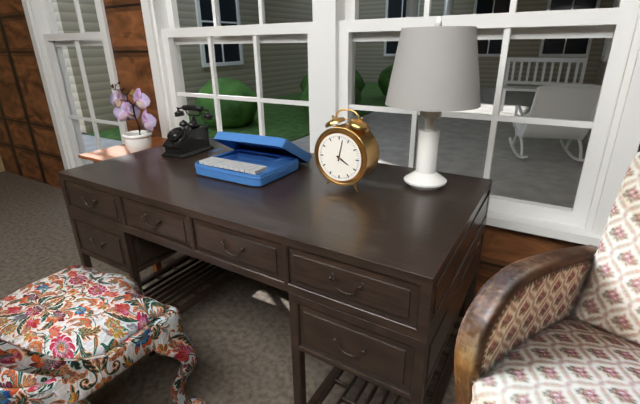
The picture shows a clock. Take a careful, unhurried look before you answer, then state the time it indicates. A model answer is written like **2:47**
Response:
**4:02**
